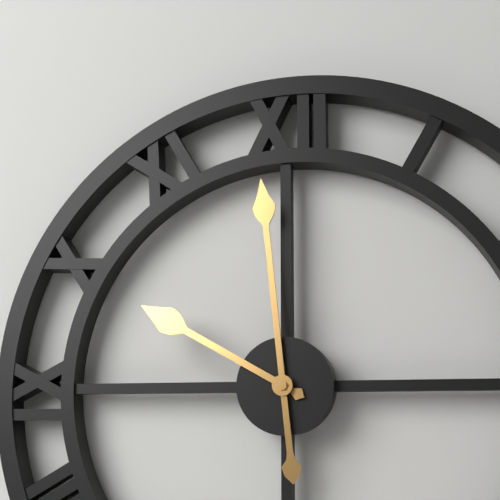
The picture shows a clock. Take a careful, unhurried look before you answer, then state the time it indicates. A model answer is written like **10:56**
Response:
**9:59**
